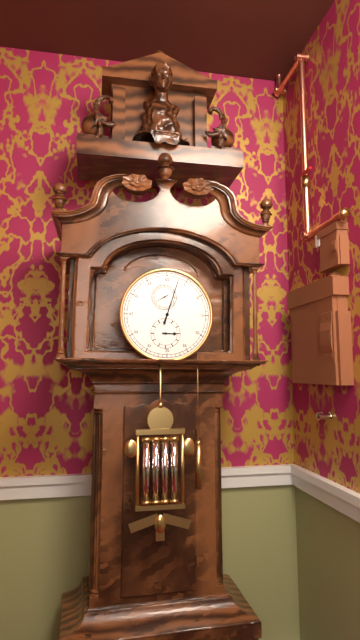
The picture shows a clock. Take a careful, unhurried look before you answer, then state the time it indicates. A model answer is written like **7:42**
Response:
**3:03**
